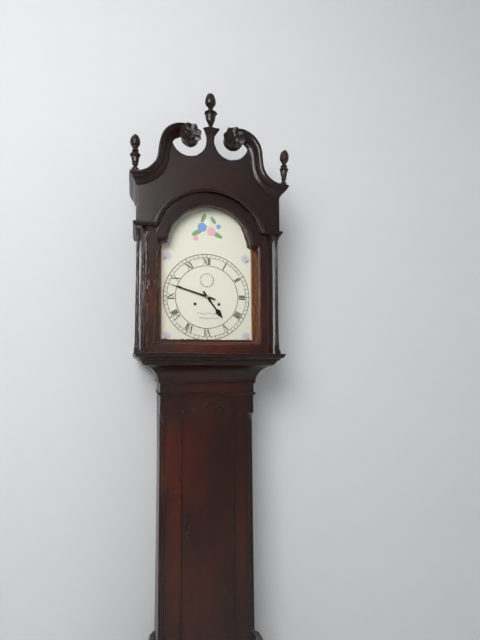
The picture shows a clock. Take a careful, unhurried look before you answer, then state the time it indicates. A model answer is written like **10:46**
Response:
**4:48**
